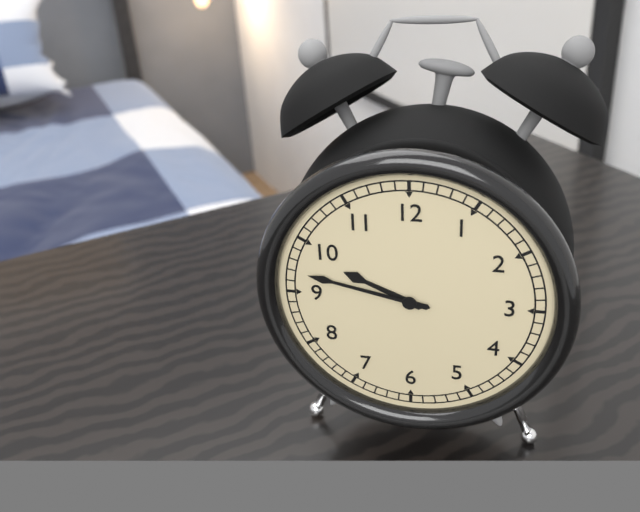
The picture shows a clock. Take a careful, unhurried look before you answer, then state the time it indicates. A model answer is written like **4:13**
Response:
**9:47**
